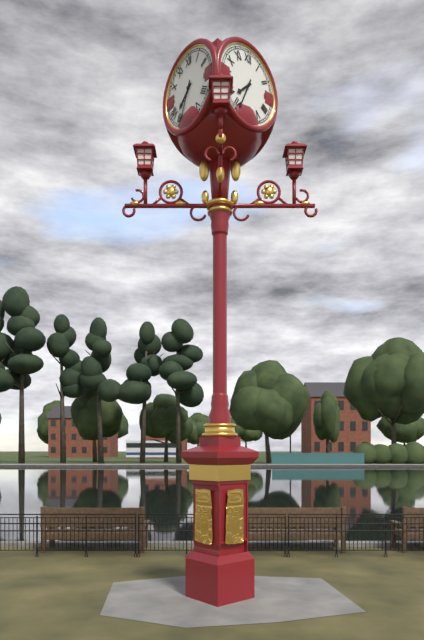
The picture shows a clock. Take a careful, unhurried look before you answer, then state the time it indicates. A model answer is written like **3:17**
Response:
**7:34**
